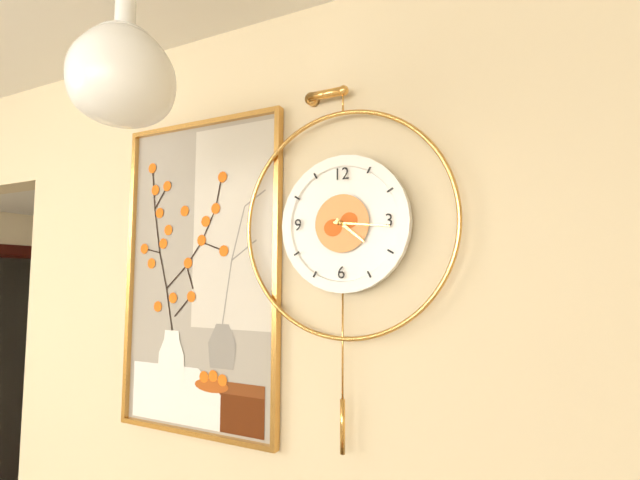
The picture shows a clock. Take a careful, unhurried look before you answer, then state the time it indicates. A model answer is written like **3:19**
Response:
**4:16**
